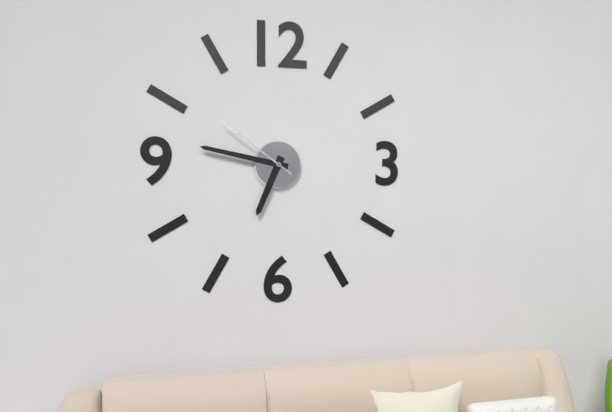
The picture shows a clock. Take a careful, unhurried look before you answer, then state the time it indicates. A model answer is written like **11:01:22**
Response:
**6:47:51**
